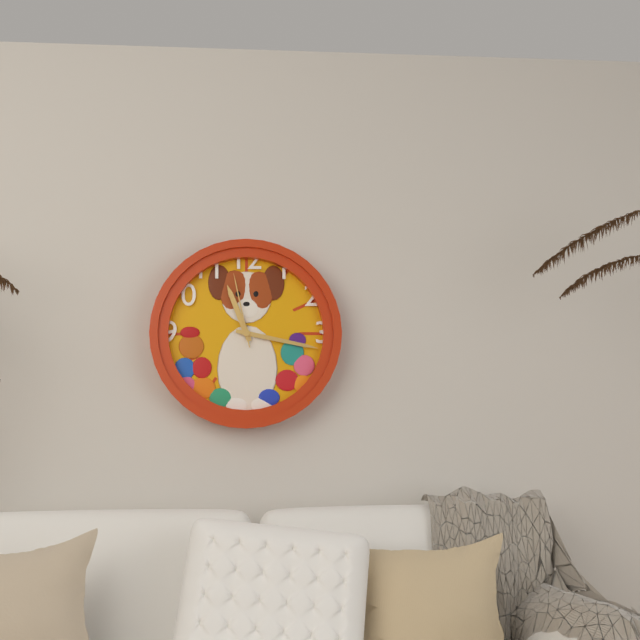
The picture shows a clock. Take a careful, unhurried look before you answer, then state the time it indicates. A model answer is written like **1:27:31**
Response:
**11:17:58**
